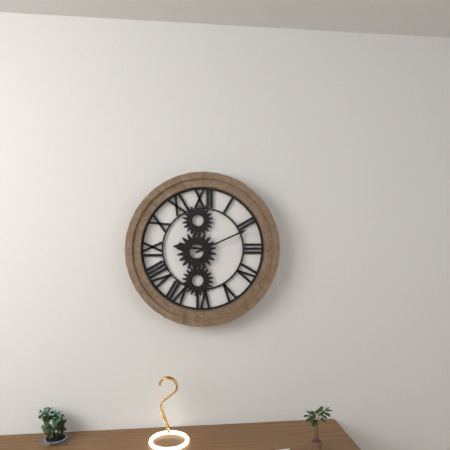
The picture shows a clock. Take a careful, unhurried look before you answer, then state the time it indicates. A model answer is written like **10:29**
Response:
**9:11**
